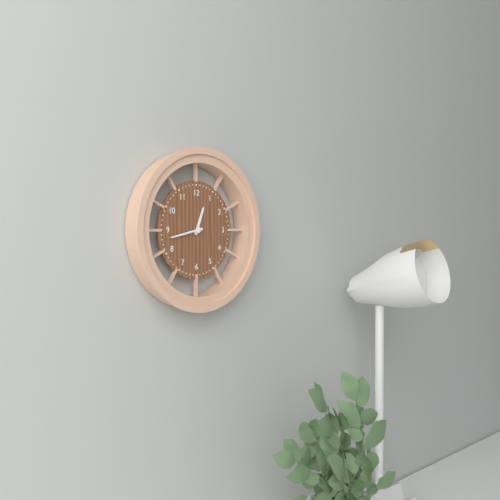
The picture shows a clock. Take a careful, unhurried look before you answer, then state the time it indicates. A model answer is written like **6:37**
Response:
**12:43**
